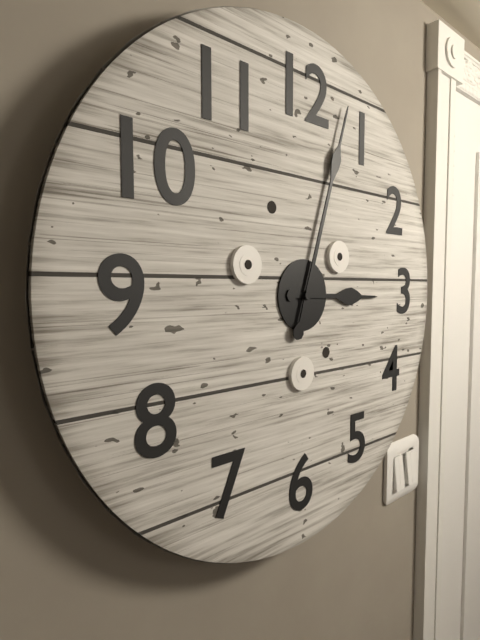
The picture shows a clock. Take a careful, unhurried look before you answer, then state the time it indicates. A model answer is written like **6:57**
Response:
**3:03**
